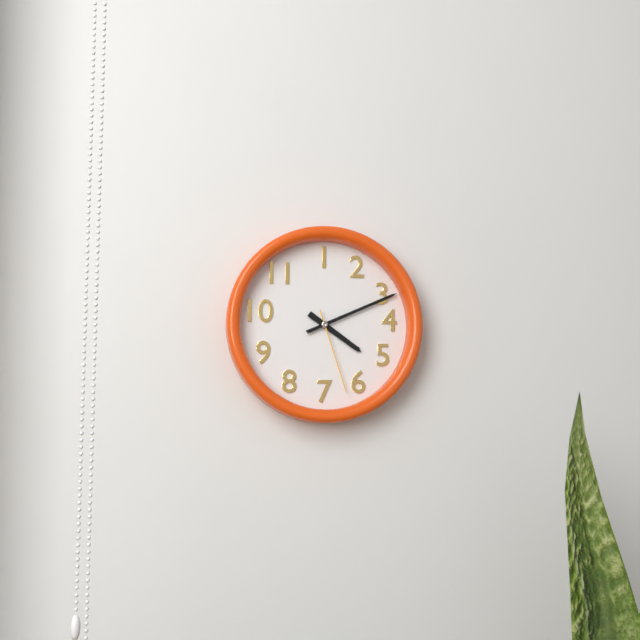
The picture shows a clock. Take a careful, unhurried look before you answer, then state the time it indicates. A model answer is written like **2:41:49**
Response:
**4:11:27**
